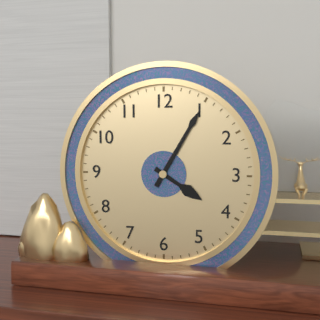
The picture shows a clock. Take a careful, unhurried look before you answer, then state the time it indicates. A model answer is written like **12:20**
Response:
**4:05**
